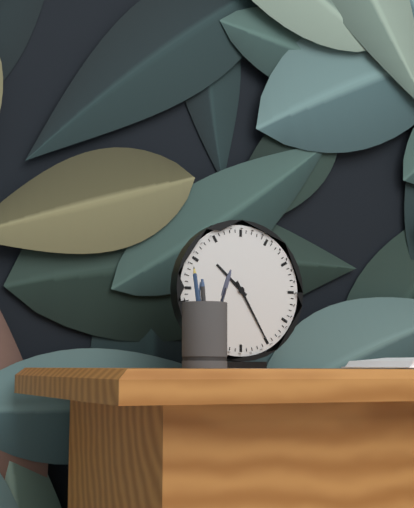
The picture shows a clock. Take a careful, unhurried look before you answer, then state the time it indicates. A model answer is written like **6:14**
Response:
**10:25**
